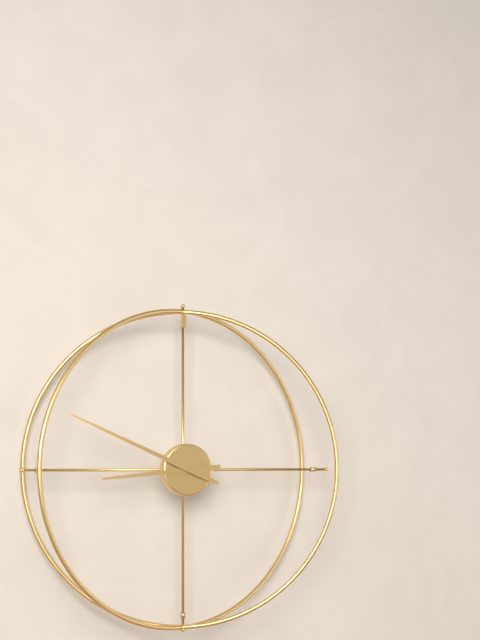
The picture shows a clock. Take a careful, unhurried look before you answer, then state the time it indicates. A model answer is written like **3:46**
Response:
**8:49**
